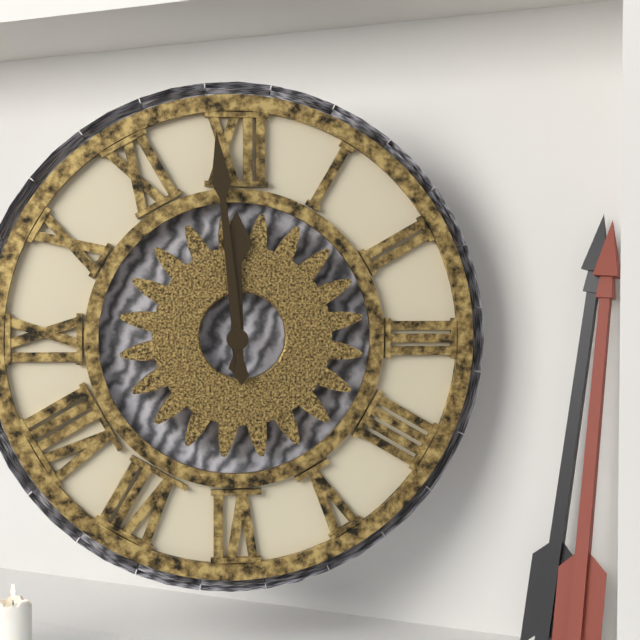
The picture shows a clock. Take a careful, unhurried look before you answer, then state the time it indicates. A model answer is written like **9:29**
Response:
**11:59**
